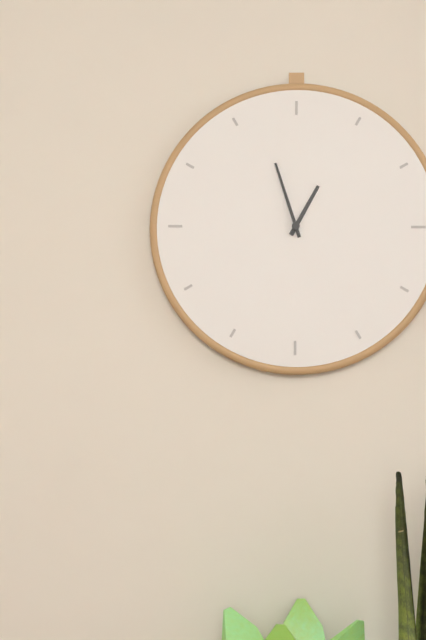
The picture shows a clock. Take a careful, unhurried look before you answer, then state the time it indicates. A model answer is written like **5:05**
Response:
**12:57**
